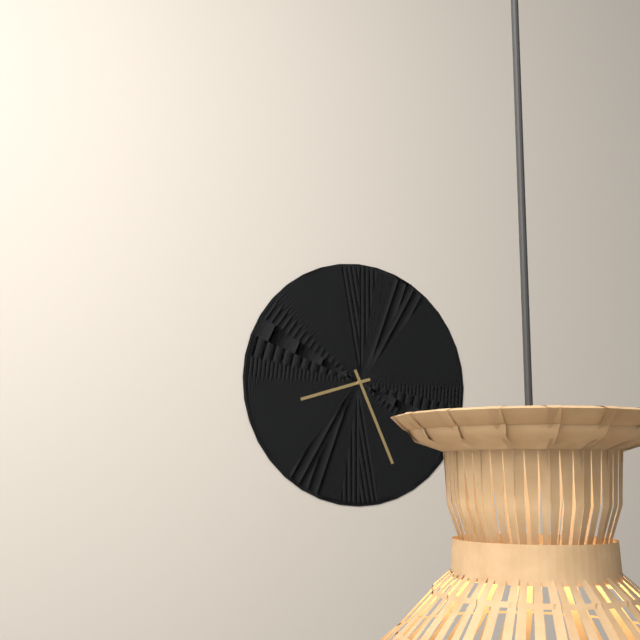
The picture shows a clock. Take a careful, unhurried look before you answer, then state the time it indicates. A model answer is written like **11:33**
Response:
**8:26**
